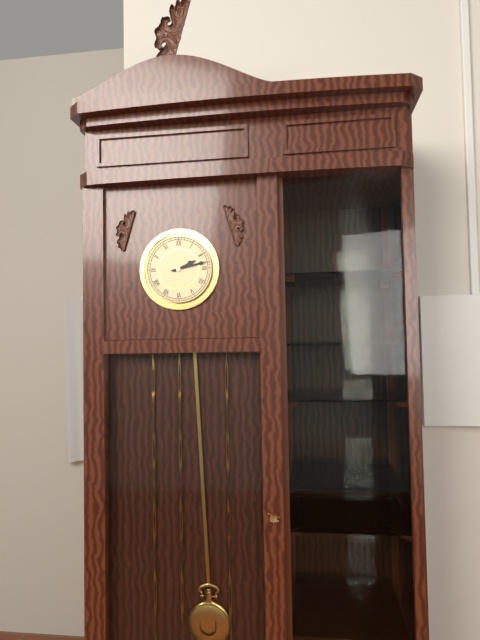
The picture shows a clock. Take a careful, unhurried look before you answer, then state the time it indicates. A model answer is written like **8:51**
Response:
**2:13**
